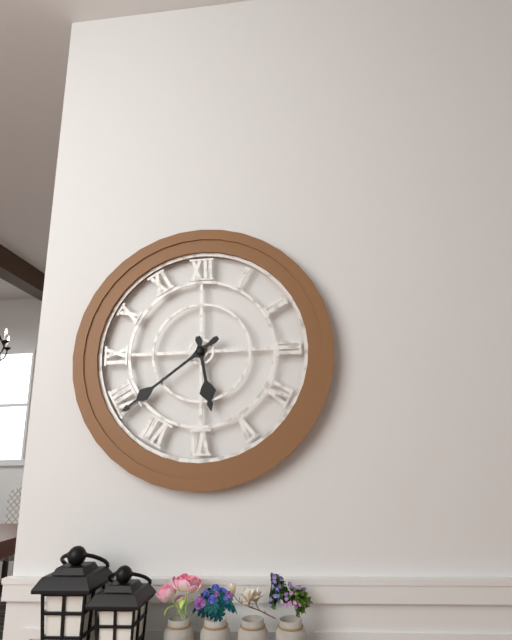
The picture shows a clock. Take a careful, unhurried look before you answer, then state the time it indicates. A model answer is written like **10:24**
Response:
**5:39**
